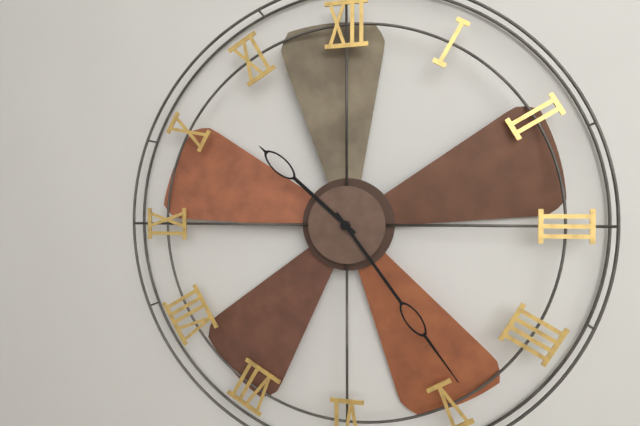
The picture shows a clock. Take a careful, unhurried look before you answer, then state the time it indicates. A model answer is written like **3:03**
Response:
**10:24**
